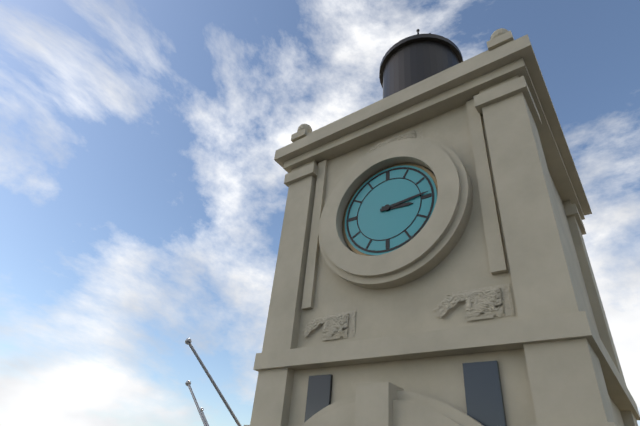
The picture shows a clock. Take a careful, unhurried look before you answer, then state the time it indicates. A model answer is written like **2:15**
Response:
**3:14**
